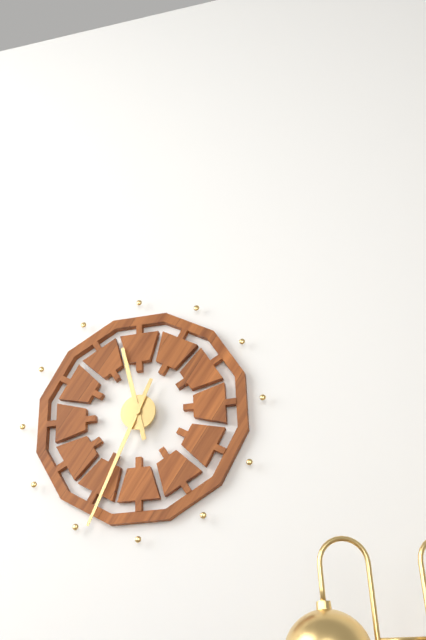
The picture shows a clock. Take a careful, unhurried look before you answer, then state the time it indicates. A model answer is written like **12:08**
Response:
**11:34**
